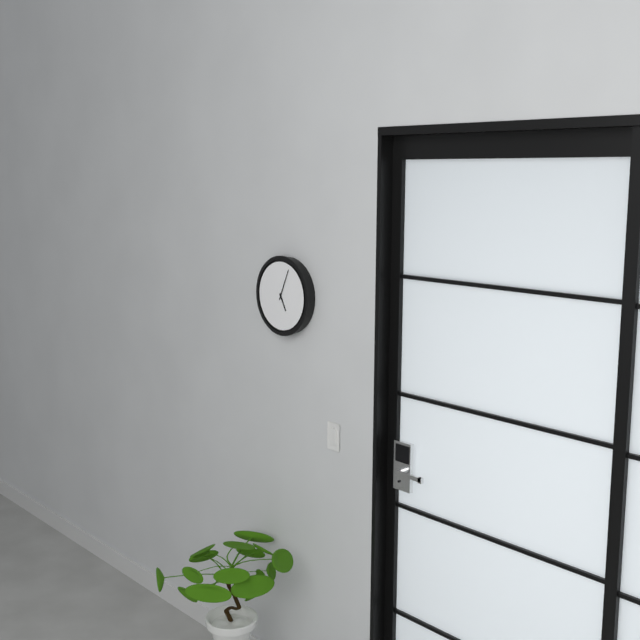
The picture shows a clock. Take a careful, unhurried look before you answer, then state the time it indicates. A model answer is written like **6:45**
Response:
**5:04**
